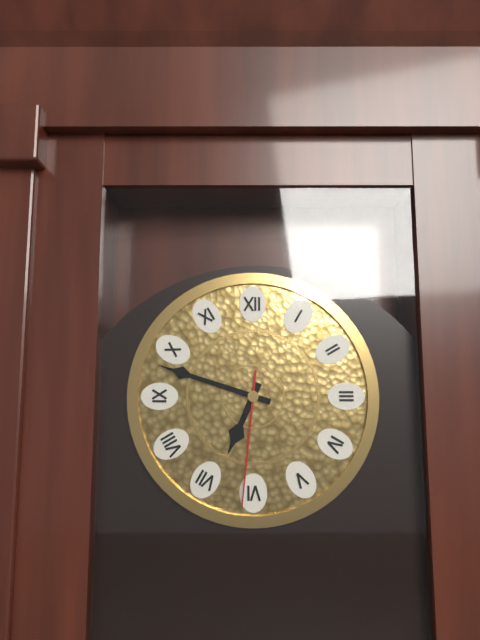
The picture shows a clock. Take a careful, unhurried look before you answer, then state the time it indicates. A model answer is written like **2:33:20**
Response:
**6:48:31**
